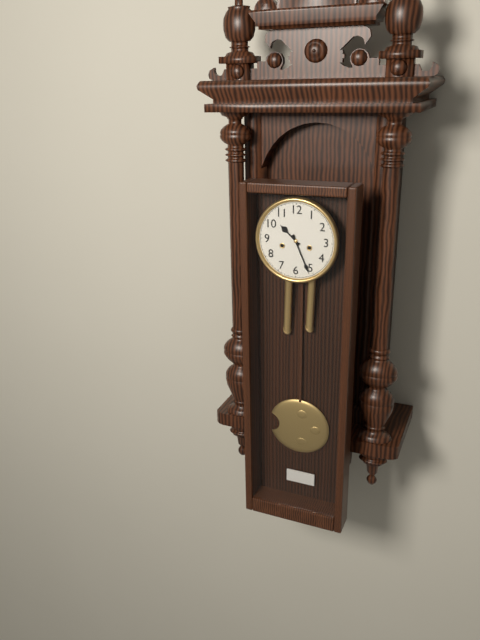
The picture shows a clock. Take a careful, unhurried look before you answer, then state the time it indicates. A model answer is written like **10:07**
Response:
**10:26**
